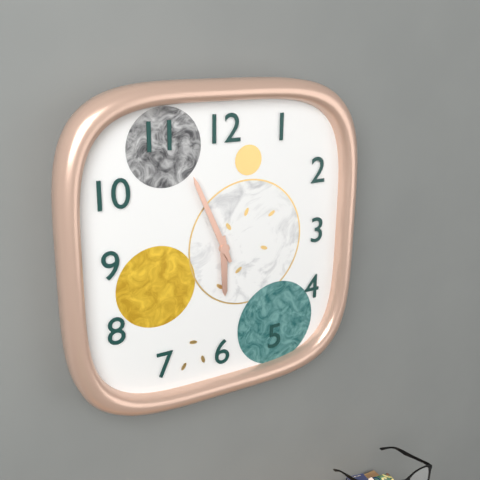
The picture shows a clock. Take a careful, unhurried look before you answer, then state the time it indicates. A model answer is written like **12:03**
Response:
**5:56**
